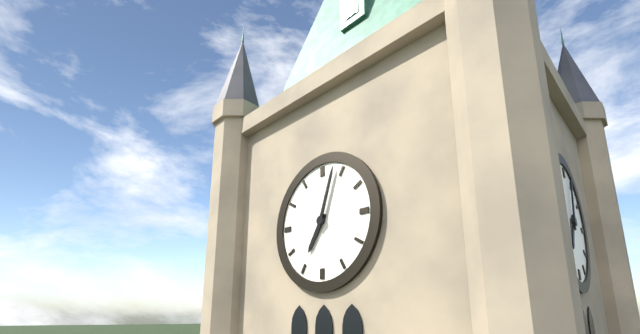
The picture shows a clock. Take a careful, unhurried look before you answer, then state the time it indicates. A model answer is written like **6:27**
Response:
**7:03**
